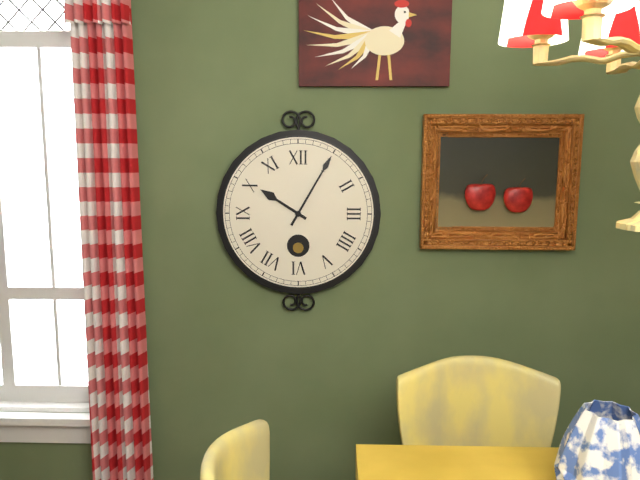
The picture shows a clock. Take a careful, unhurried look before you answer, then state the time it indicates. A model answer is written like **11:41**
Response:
**10:05**
